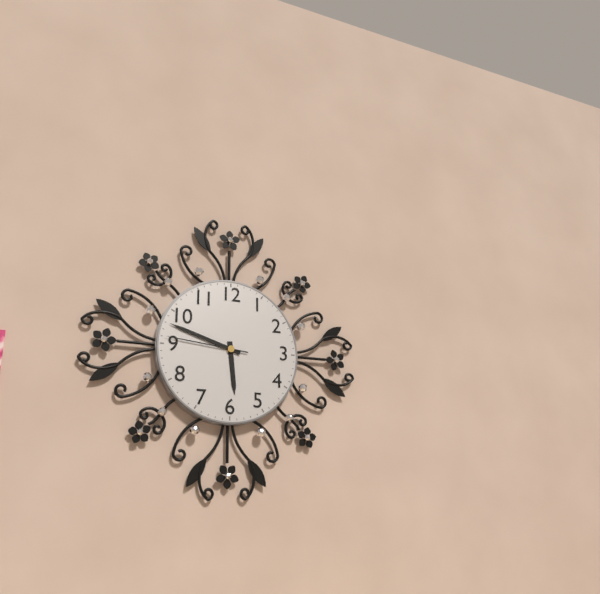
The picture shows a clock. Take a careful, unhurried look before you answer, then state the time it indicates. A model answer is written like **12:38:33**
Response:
**5:48:46**
